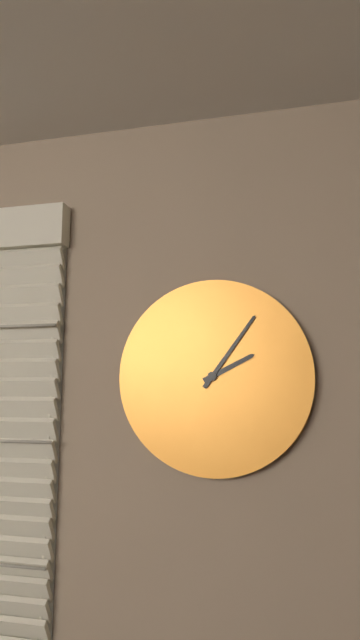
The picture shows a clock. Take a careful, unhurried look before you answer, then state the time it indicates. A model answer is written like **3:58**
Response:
**2:06**
